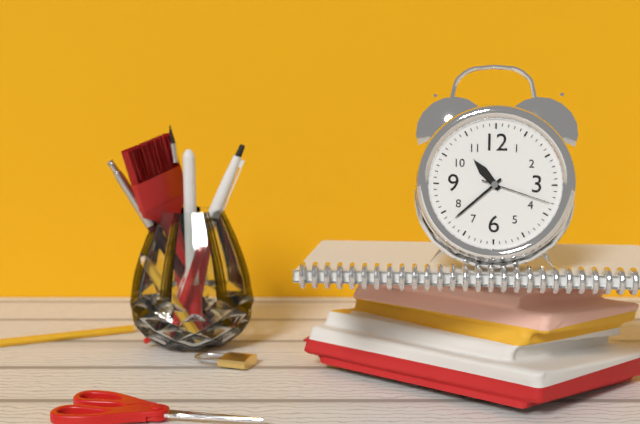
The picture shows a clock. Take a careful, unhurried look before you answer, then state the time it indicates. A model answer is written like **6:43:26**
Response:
**10:38:18**
